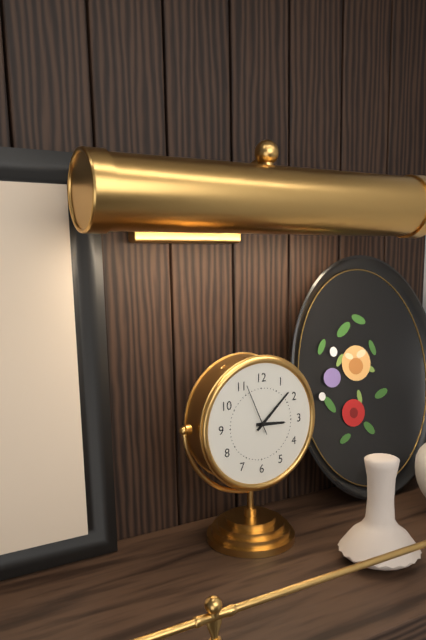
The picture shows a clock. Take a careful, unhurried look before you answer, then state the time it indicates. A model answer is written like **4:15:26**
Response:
**3:08:56**
